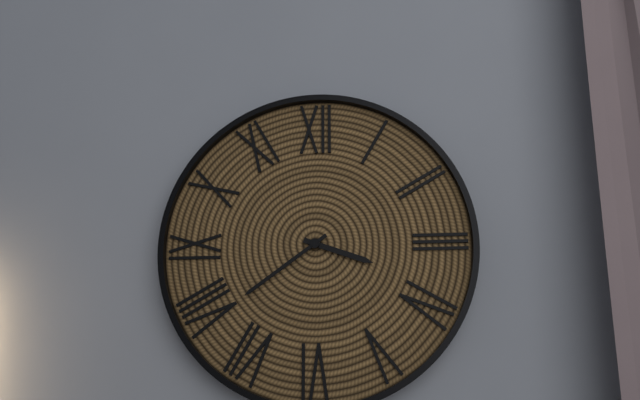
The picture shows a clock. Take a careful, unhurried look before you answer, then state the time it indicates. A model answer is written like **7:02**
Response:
**3:39**
